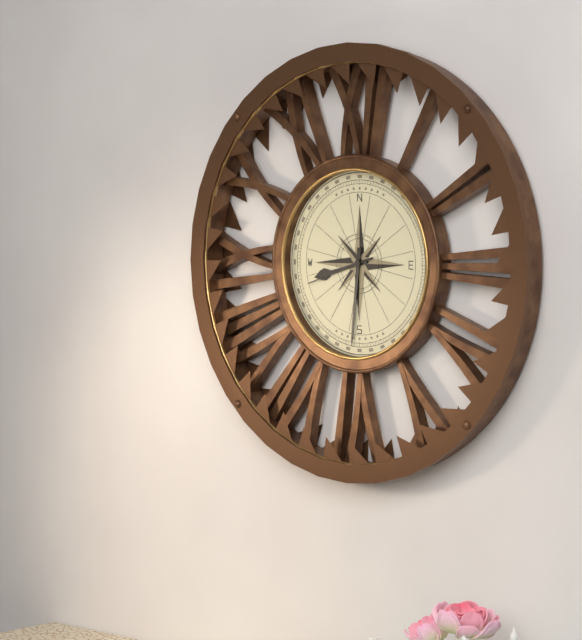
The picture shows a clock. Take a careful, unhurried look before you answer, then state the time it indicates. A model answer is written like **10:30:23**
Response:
**8:31:42**
